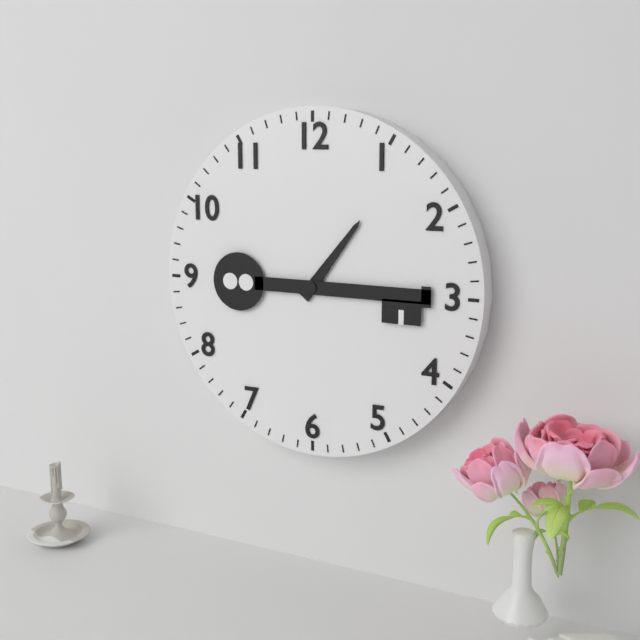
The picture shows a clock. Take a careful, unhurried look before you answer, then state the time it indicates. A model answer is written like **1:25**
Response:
**1:15**
